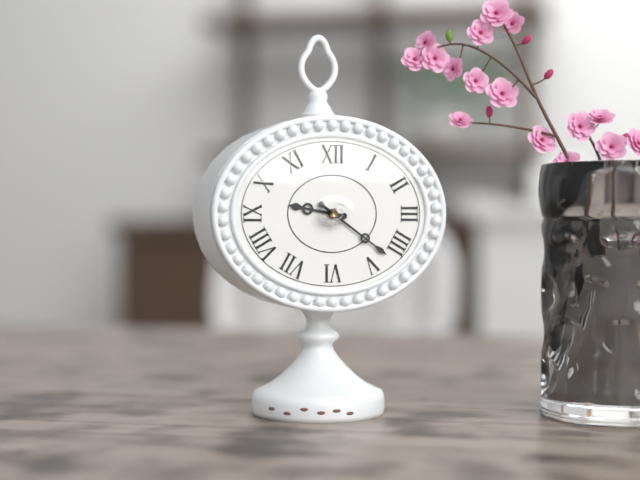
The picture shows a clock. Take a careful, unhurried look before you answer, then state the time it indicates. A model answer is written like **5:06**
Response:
**9:21**
